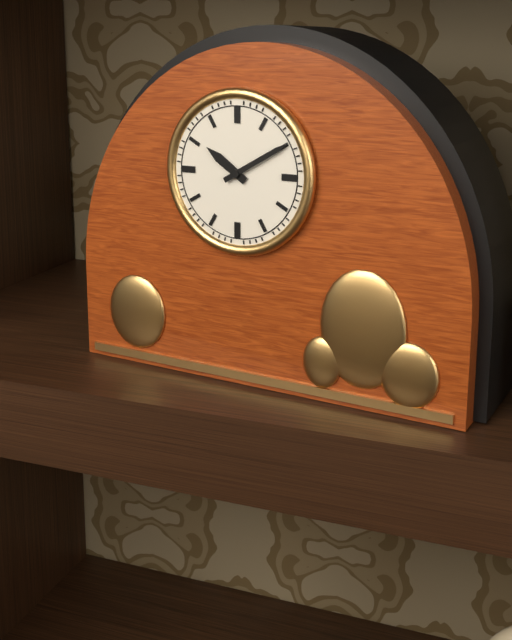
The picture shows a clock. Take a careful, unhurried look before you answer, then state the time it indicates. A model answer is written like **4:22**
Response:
**10:10**
